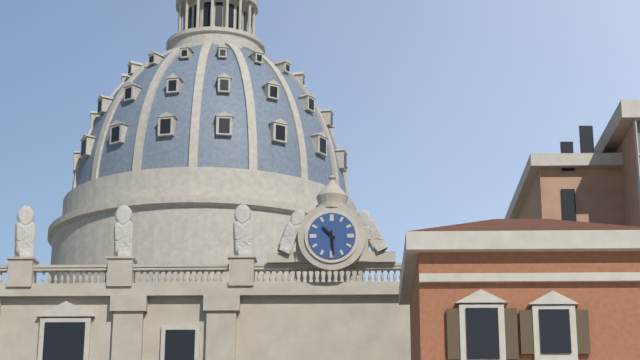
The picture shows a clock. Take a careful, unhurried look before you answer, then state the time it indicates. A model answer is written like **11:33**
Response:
**10:29**
